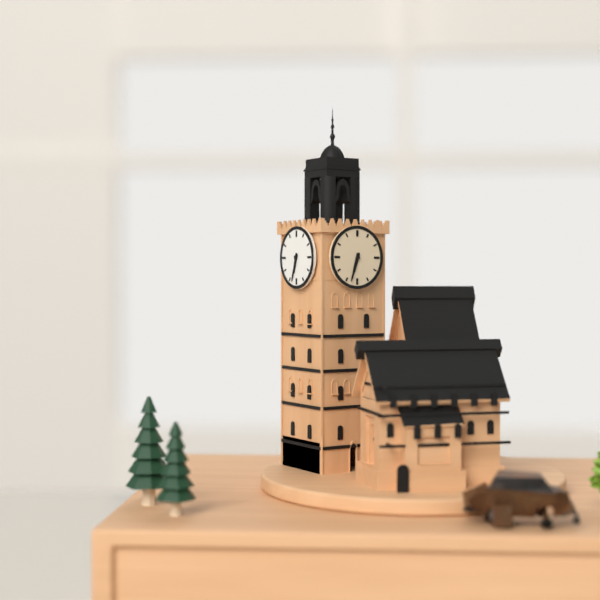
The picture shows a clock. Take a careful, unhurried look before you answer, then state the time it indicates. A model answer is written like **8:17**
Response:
**6:33**
